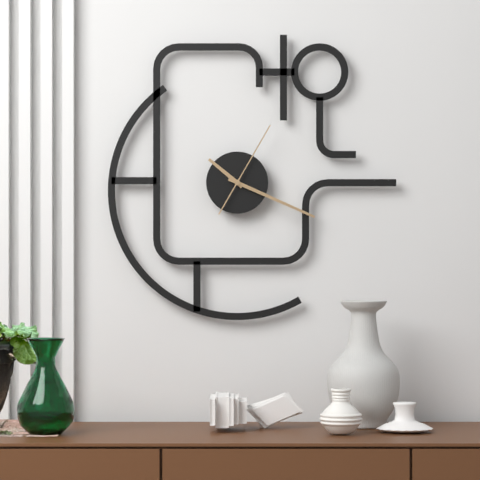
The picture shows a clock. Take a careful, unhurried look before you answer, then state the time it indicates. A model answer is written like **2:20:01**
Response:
**10:19:05**
